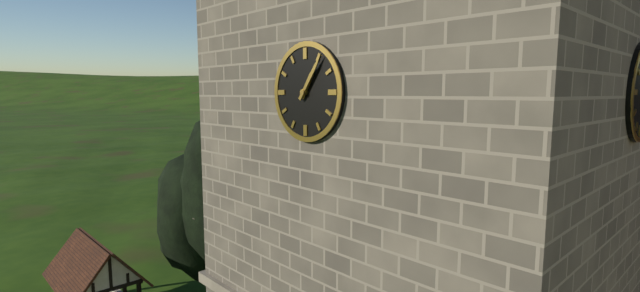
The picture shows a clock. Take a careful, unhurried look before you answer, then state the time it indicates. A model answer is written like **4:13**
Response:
**1:06**
